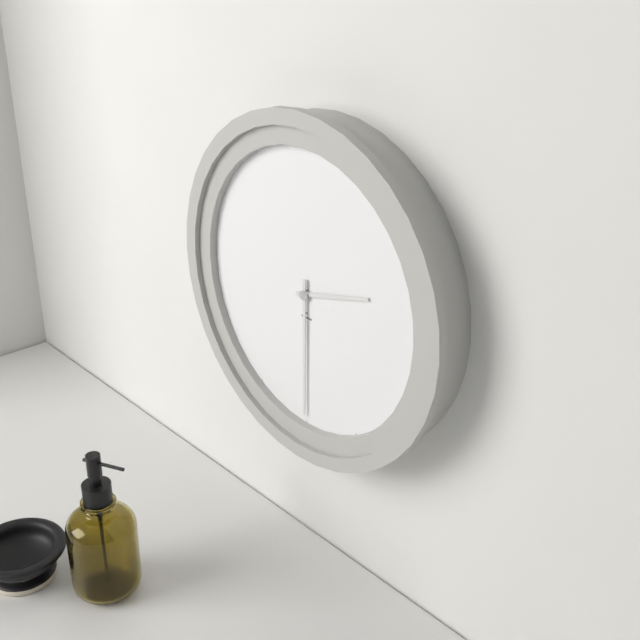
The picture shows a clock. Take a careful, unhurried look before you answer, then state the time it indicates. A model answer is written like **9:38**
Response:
**2:30**
